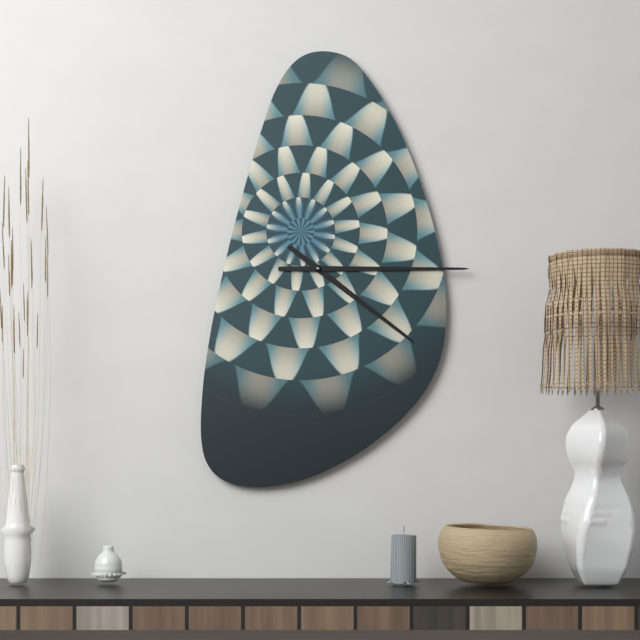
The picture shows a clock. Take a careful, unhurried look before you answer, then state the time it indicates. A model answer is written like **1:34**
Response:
**4:15**
